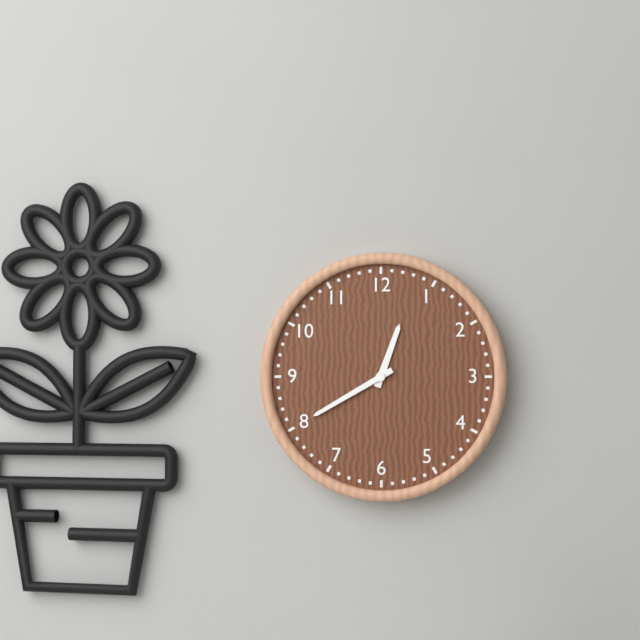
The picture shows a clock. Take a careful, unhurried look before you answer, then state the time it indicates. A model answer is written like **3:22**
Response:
**12:40**
